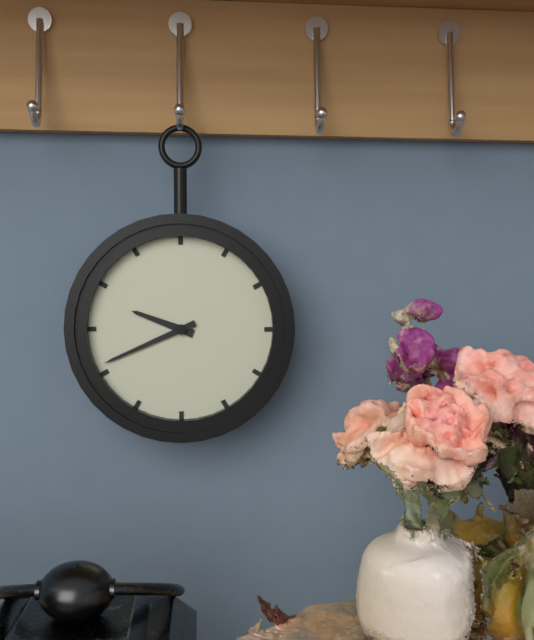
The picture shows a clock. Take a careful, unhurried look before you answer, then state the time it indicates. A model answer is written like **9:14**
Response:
**9:41**
